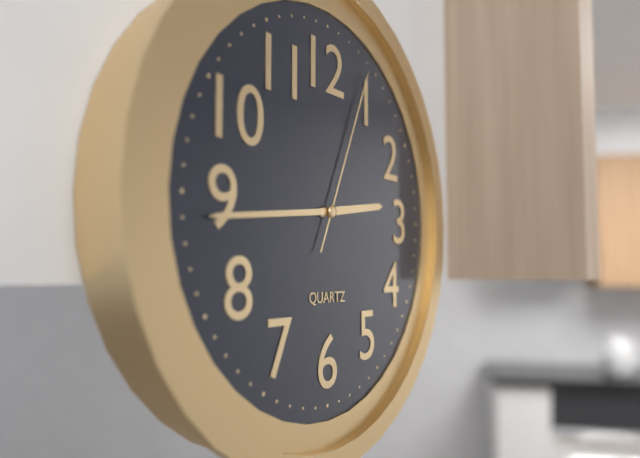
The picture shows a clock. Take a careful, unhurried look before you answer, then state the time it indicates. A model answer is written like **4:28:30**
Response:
**2:44:04**
